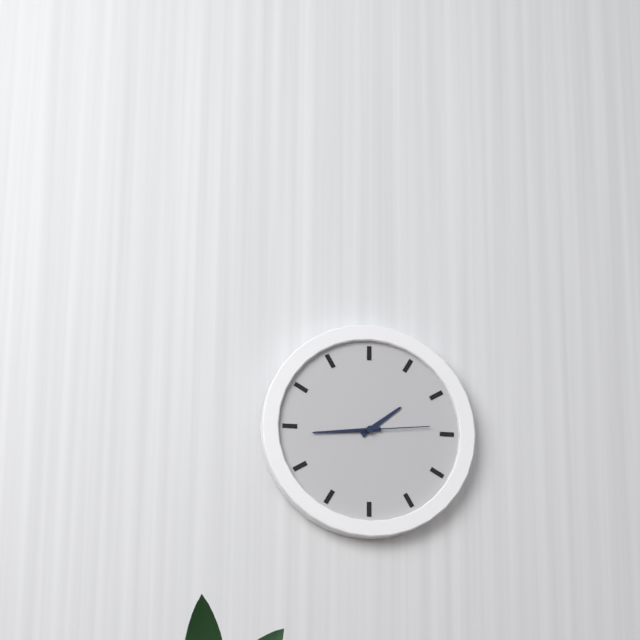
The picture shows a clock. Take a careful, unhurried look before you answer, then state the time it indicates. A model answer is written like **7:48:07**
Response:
**1:44:14**
